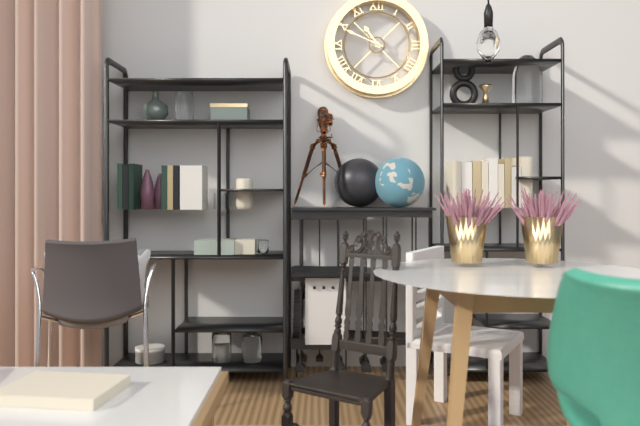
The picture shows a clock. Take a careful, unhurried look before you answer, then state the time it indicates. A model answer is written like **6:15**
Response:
**10:49**
